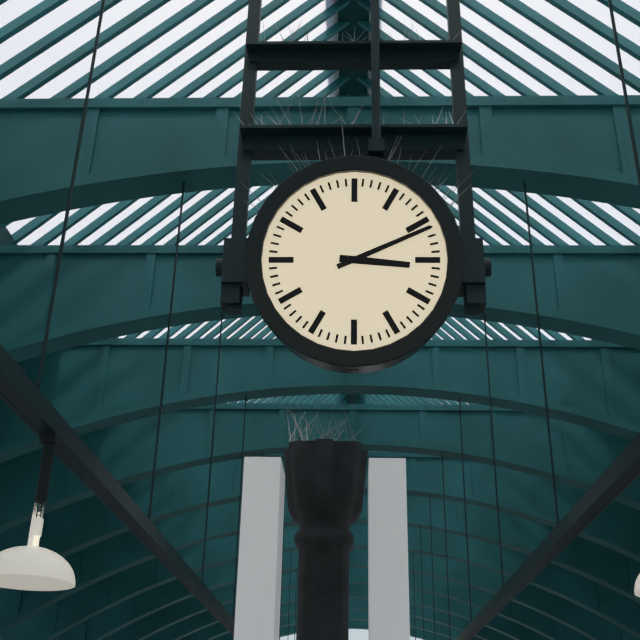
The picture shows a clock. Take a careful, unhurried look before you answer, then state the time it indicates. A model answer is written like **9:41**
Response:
**3:11**
